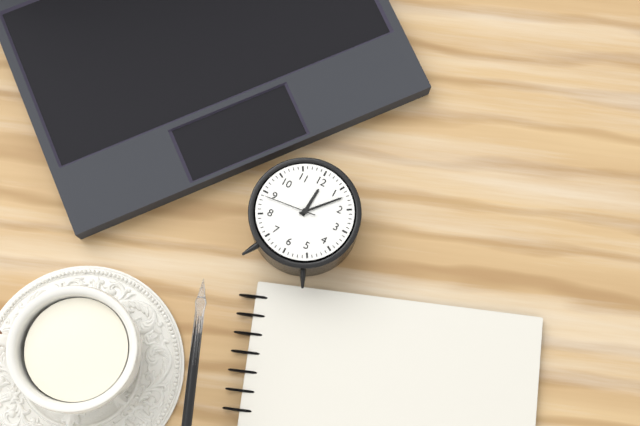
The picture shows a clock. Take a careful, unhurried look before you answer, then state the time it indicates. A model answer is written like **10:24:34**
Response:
**12:07:44**
